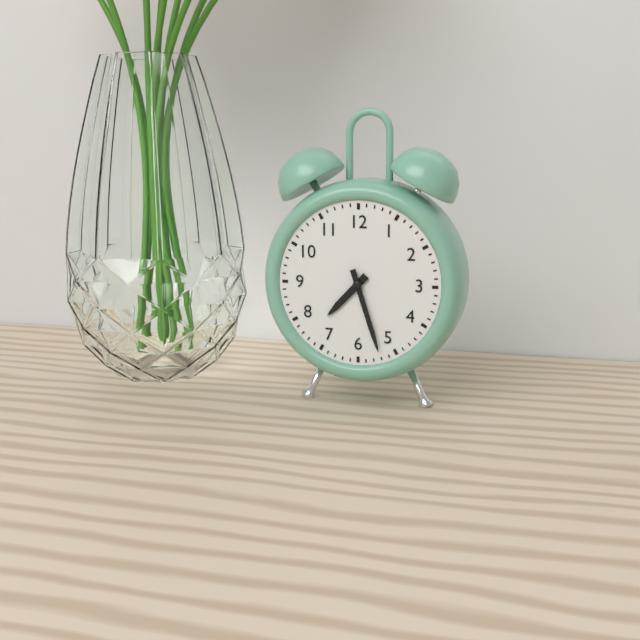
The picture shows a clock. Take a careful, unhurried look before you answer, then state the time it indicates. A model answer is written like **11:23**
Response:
**7:27**
